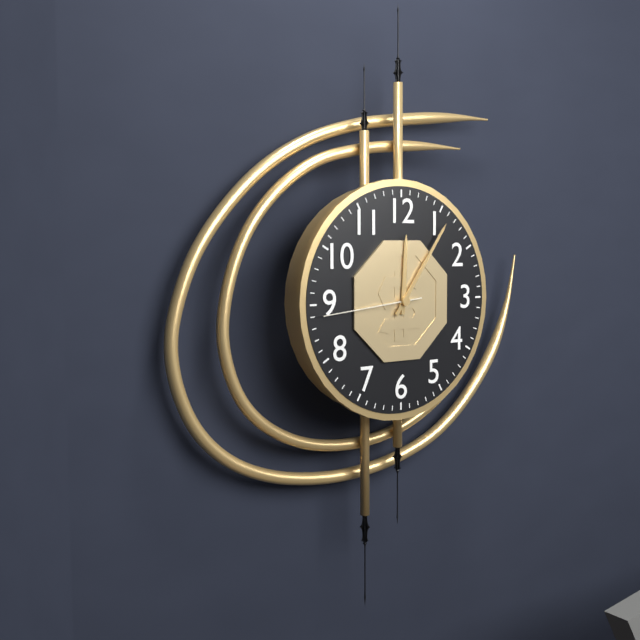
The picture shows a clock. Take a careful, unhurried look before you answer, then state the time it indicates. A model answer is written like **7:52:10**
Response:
**12:06:44**
